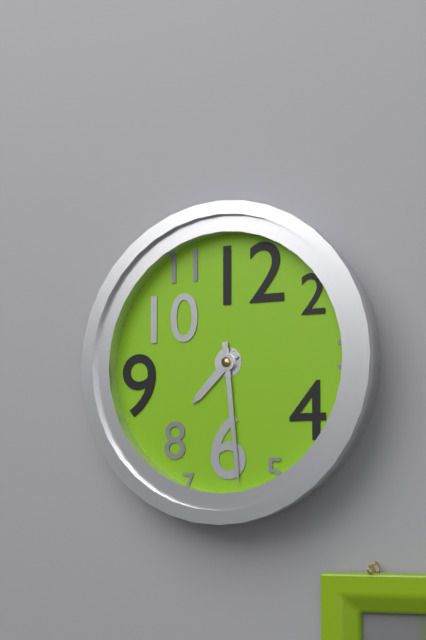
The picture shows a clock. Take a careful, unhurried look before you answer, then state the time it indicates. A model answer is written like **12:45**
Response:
**7:29**
